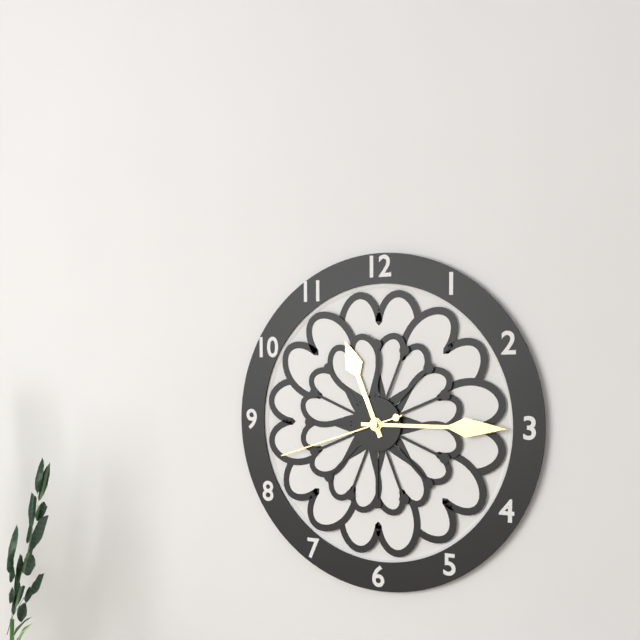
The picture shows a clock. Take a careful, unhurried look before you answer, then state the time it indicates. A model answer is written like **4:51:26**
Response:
**11:15:42**
